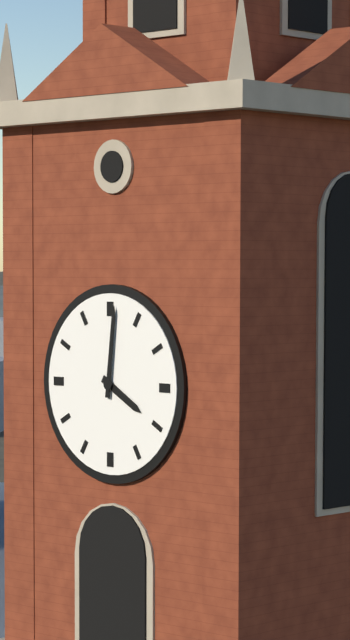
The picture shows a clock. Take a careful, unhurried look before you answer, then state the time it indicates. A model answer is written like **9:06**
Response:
**4:01**
